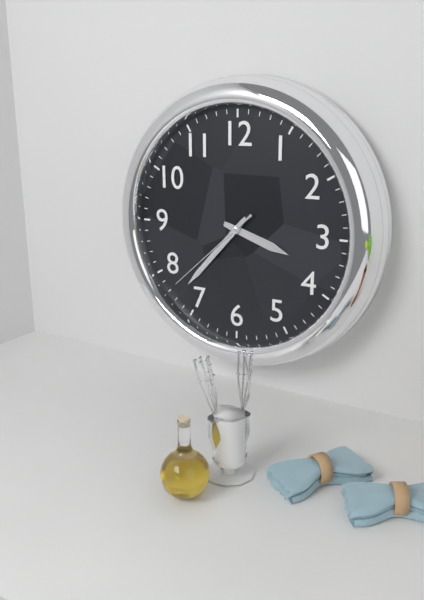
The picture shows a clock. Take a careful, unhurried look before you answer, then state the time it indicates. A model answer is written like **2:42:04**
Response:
**3:37:38**
